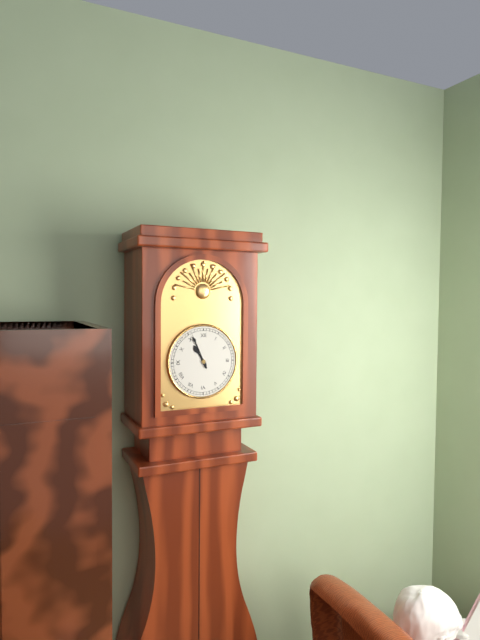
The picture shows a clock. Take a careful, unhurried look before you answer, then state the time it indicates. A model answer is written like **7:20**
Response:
**10:56**
